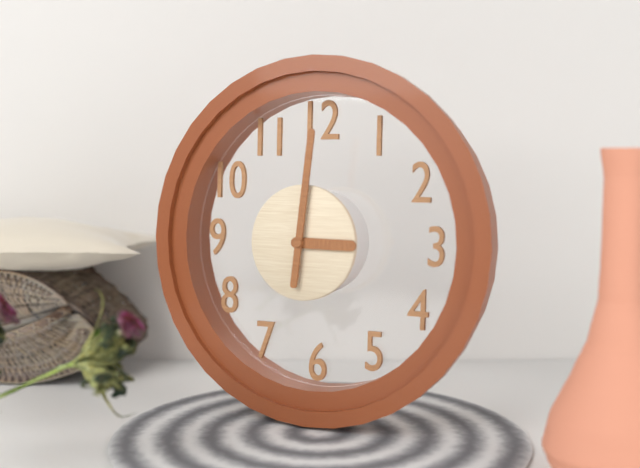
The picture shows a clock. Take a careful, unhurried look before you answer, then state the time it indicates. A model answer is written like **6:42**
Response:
**3:01**
